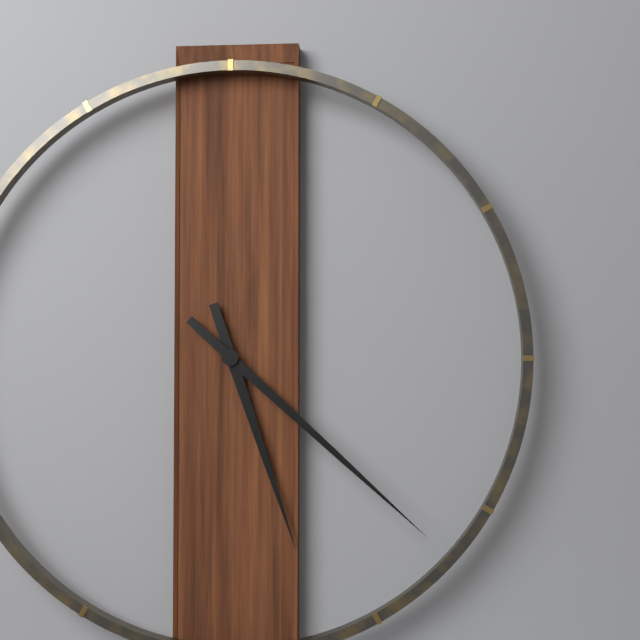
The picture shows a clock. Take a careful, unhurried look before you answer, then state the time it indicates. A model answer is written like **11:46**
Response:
**5:22**
